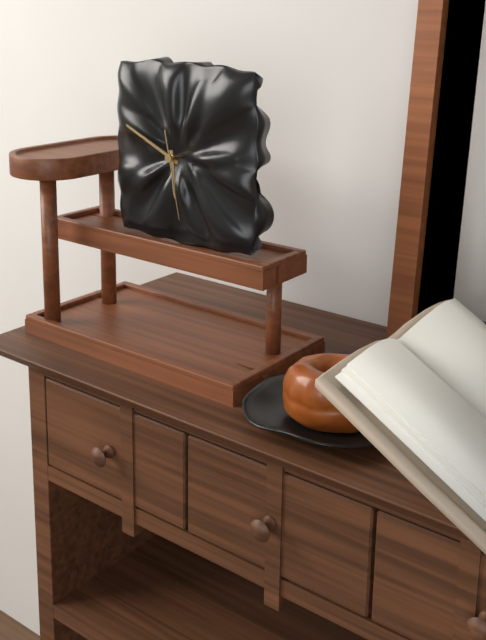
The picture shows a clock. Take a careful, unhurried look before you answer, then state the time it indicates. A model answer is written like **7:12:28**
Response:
**5:49:28**
